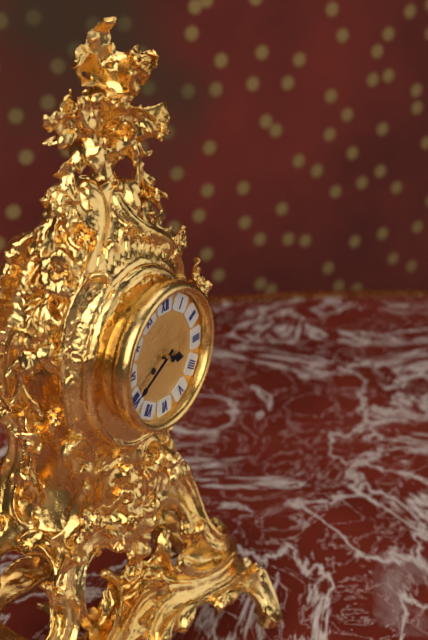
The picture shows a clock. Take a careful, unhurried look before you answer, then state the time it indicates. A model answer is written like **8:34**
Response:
**3:40**
